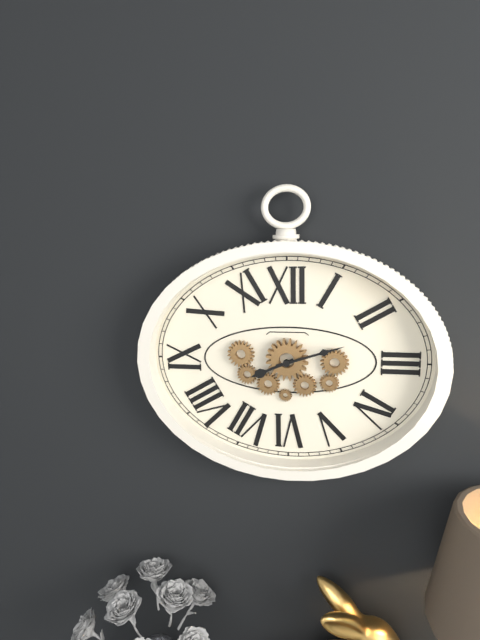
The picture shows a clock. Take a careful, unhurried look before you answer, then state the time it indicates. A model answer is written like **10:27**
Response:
**8:12**
